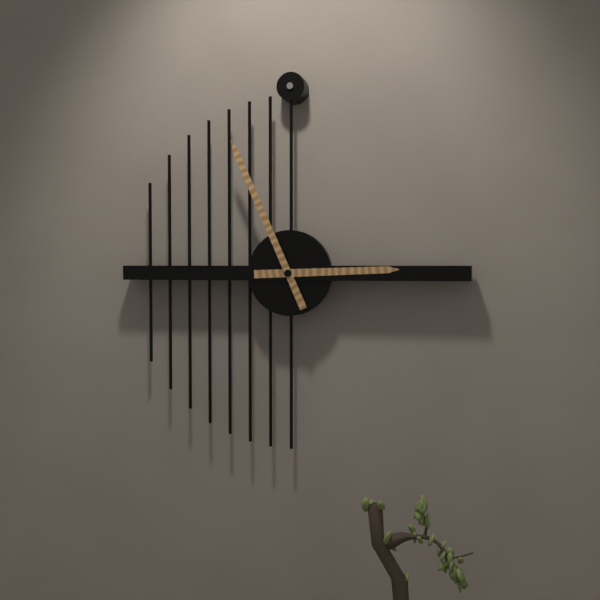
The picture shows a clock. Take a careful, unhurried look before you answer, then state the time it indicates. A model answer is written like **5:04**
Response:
**2:56**
